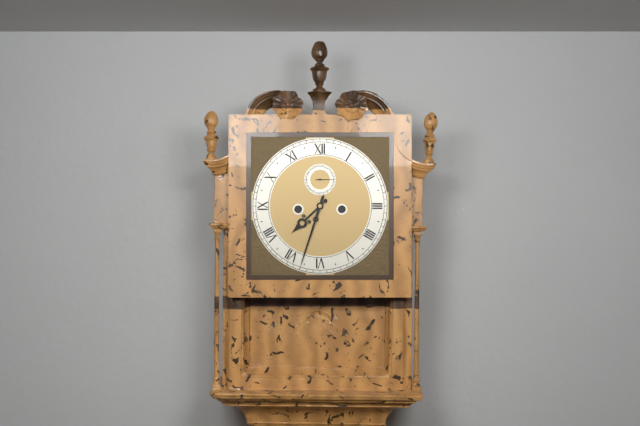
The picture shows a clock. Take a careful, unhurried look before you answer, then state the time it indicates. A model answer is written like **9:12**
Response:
**7:33**
